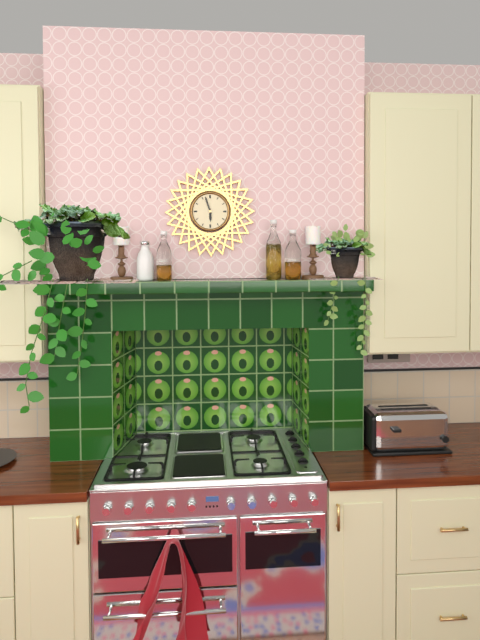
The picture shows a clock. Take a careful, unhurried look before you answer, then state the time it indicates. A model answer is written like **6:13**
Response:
**5:57**
